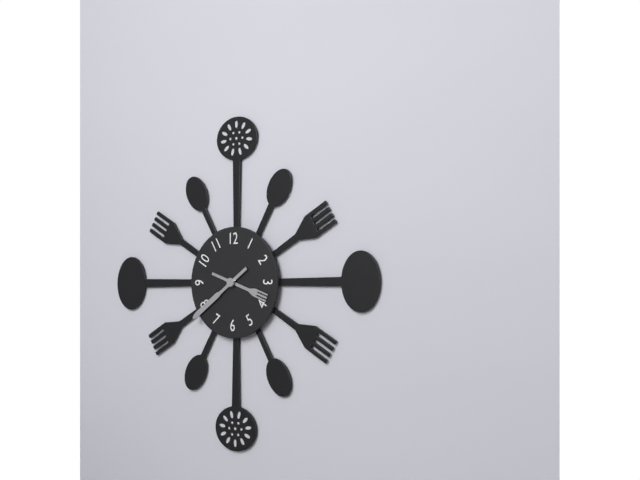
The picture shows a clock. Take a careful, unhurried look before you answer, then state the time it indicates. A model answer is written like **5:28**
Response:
**3:39**
